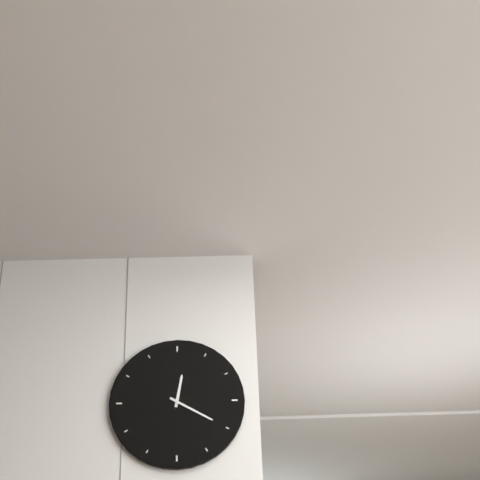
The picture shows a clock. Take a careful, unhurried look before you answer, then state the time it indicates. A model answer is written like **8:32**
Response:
**12:20**
